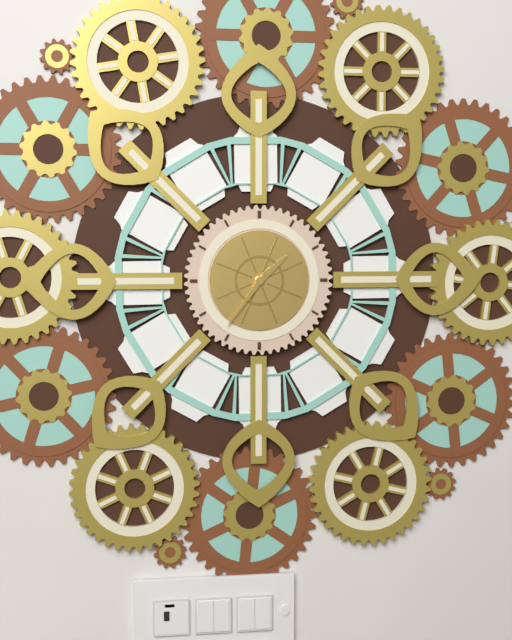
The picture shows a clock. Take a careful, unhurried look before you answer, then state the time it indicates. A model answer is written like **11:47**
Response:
**1:36**
